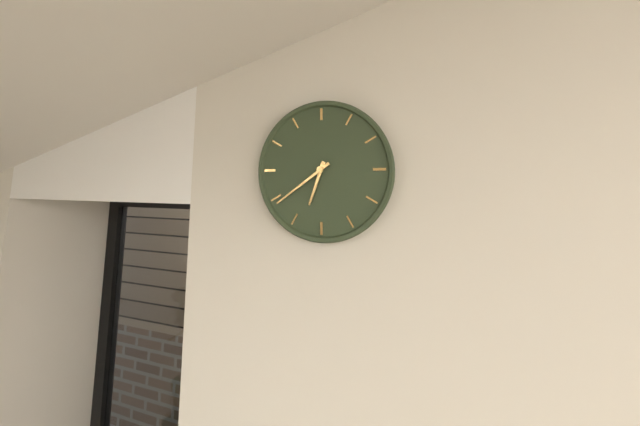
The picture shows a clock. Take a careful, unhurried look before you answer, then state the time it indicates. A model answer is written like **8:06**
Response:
**6:39**
